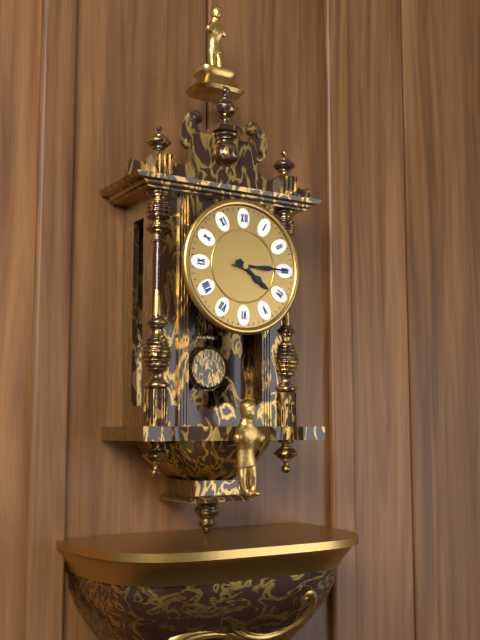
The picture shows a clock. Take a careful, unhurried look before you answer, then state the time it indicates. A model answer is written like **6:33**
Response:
**4:15**
